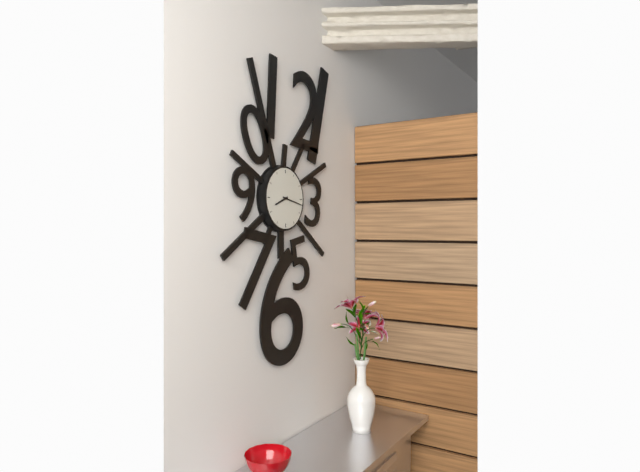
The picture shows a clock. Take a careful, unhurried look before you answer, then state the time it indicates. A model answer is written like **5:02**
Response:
**8:17**
